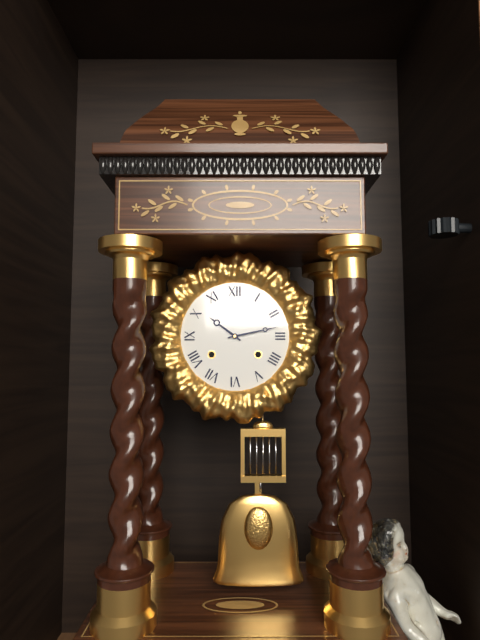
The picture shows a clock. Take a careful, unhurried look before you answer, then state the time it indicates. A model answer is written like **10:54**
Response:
**10:13**
